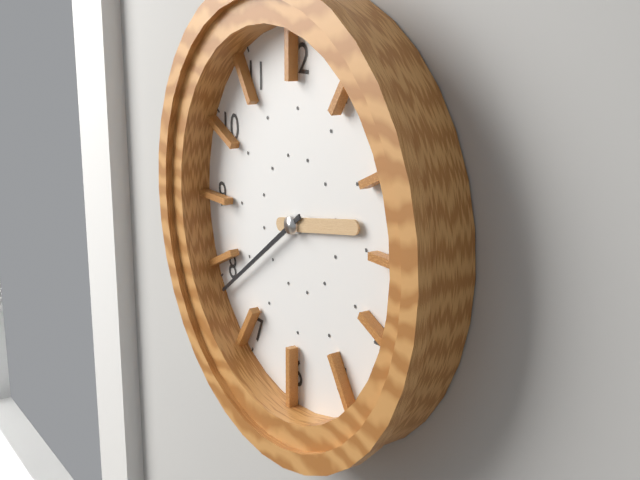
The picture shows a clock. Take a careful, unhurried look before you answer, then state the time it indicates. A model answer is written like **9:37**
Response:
**2:39**
